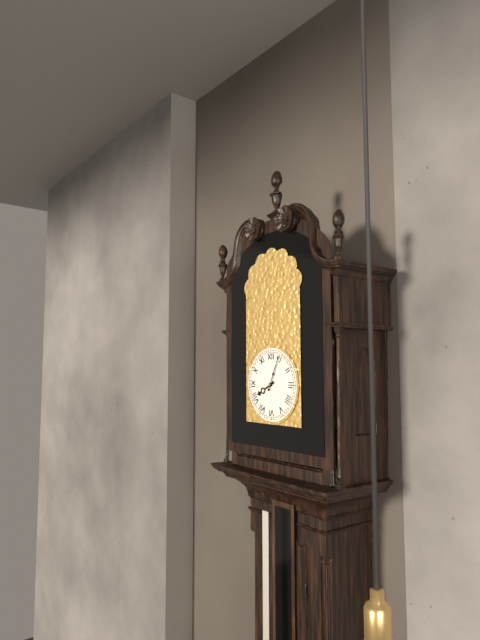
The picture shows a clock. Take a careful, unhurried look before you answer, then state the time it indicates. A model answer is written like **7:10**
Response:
**8:04**
